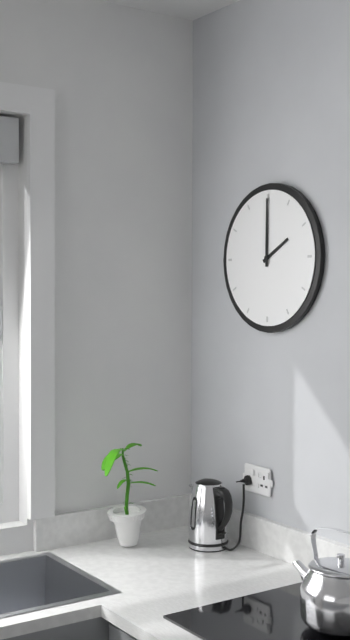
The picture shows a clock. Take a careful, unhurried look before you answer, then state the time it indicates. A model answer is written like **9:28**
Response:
**2:00**
